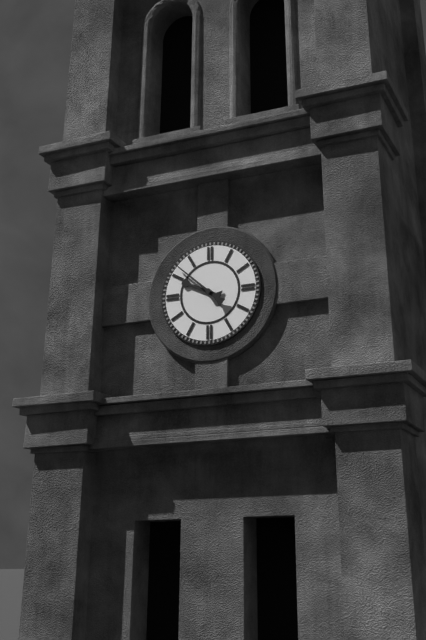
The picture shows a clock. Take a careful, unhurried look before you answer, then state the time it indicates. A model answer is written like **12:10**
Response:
**9:52**
